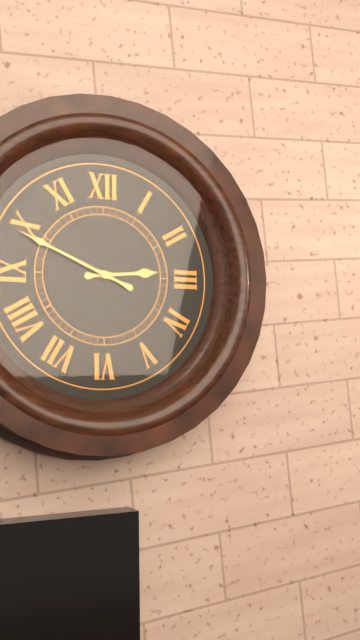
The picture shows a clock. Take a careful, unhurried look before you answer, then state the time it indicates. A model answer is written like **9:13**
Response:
**2:49**
